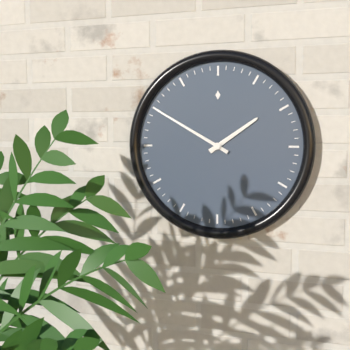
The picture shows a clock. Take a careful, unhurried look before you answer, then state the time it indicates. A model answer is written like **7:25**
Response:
**1:50**
